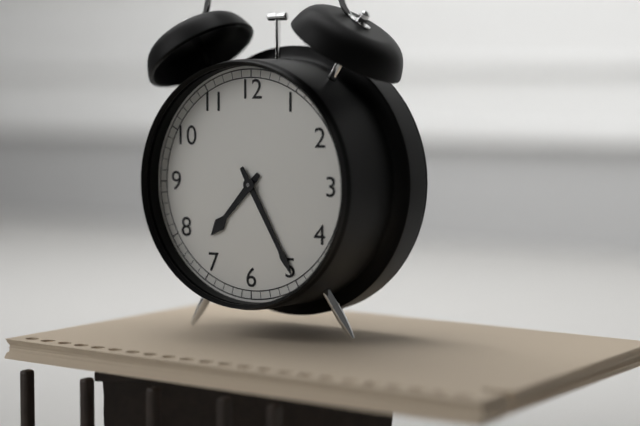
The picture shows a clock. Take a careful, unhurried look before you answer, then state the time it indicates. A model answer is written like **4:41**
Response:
**7:25**
